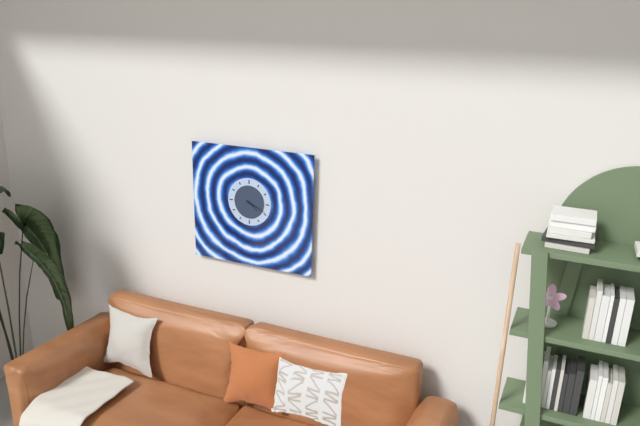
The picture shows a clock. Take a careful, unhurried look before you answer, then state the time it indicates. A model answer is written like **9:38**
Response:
**4:19**
